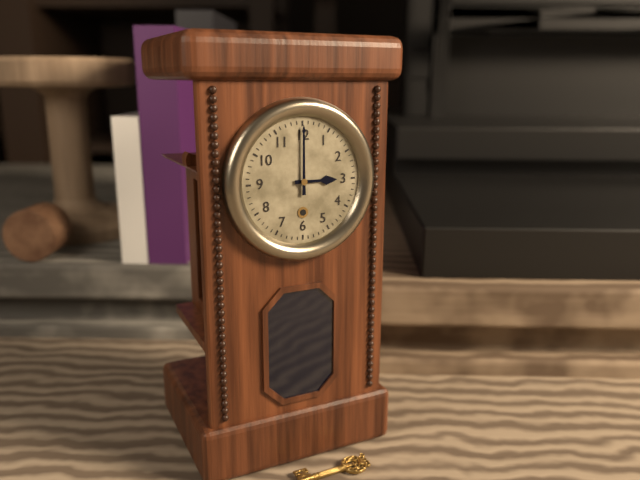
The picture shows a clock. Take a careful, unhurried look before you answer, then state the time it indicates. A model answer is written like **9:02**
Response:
**3:00**
